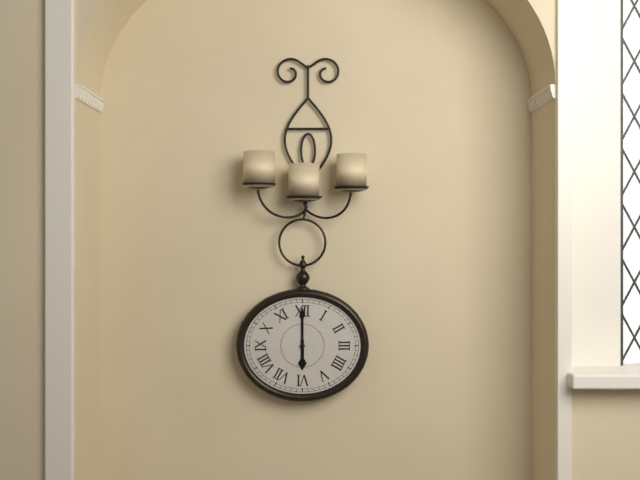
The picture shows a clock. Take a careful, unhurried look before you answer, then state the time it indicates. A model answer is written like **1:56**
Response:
**6:00**
